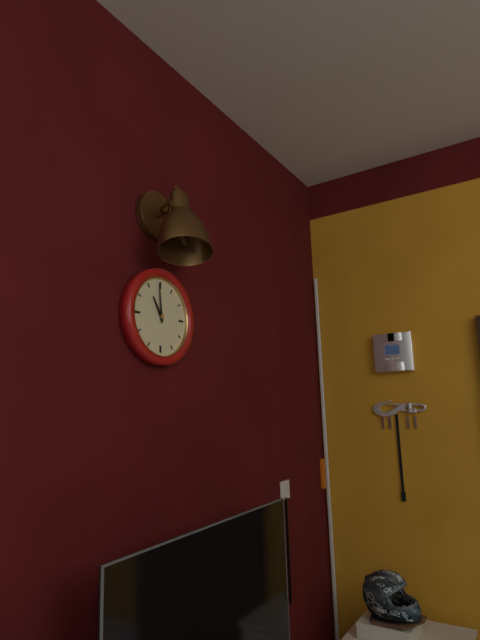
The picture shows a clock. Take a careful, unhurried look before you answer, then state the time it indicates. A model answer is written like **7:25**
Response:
**10:59**
